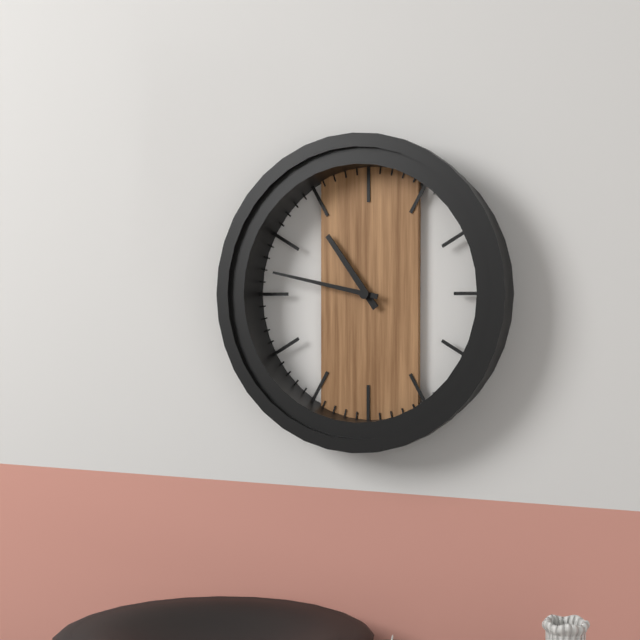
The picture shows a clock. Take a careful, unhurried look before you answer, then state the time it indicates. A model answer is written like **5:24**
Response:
**10:47**
